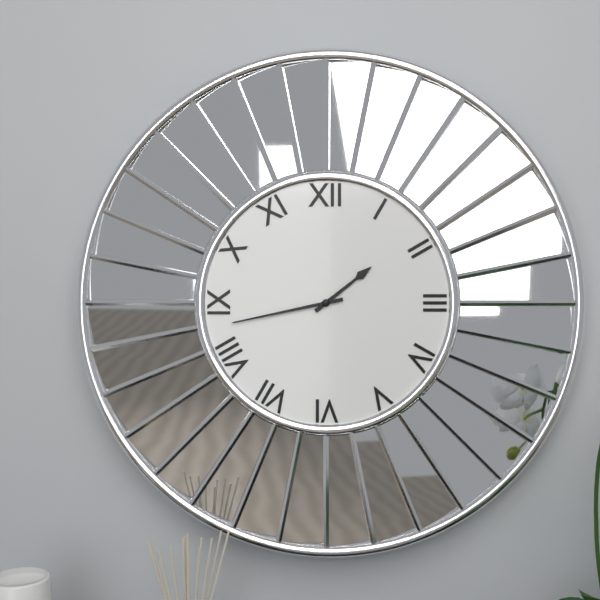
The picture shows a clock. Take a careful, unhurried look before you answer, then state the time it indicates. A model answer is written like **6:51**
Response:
**1:43**
